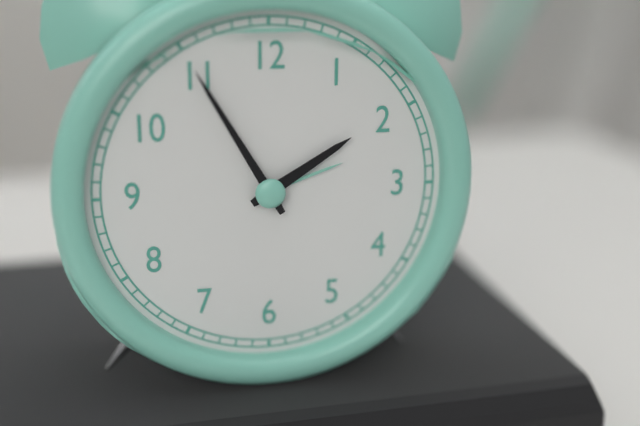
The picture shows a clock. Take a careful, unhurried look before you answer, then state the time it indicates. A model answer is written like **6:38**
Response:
**1:55**
